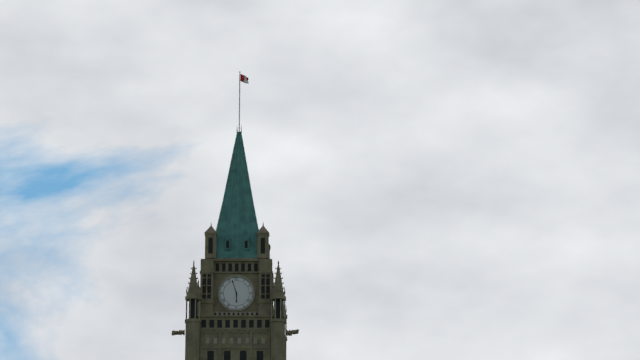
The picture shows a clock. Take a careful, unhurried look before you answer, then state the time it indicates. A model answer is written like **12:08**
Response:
**5:57**
